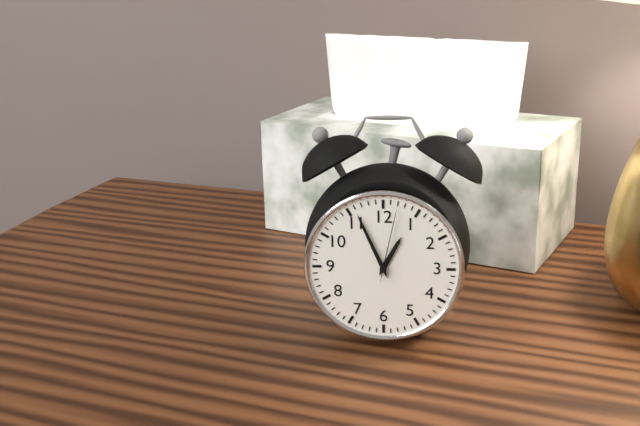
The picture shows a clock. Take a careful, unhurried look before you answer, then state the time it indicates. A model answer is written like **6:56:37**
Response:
**12:56:02**
